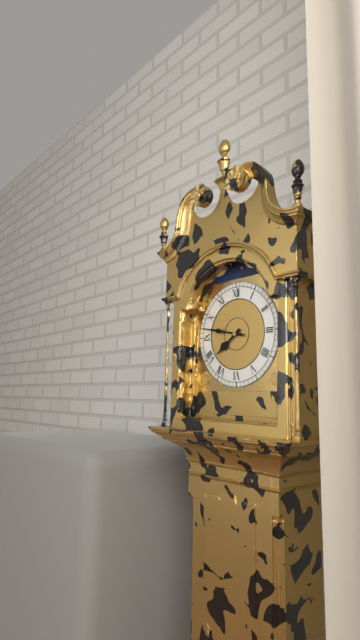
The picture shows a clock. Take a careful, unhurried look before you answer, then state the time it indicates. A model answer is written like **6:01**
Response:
**7:47**
